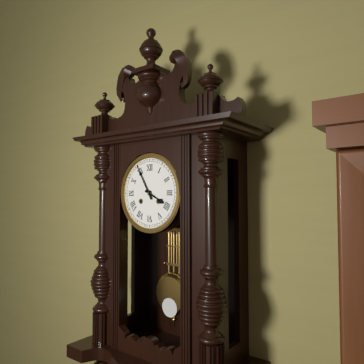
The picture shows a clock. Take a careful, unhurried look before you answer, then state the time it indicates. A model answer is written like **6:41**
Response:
**3:55**
